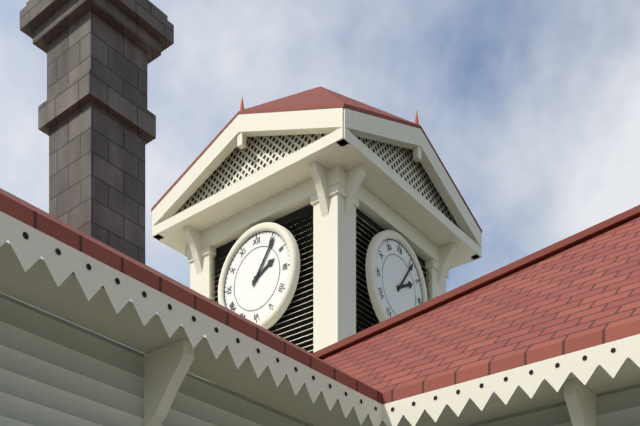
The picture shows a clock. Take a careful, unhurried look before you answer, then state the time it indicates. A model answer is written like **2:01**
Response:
**2:06**
